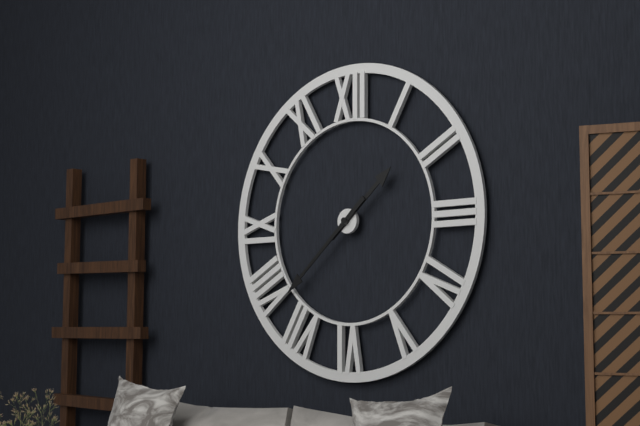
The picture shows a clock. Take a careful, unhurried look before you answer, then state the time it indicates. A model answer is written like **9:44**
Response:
**1:38**
